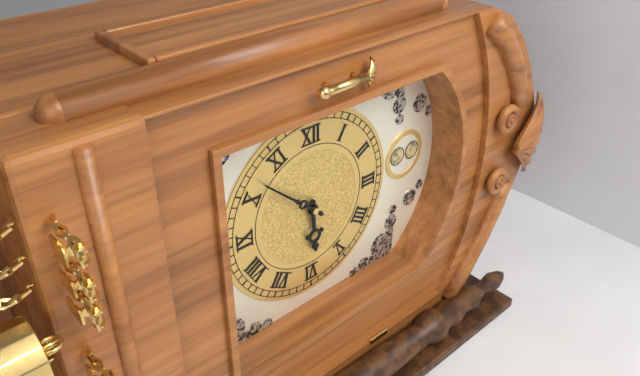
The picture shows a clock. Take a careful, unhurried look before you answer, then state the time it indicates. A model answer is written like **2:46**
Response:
**5:52**
